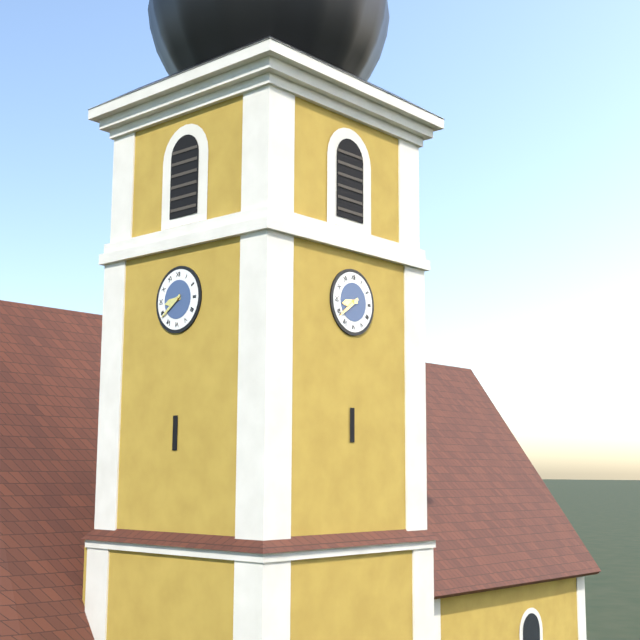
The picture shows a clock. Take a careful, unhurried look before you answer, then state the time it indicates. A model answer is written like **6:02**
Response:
**8:39**
